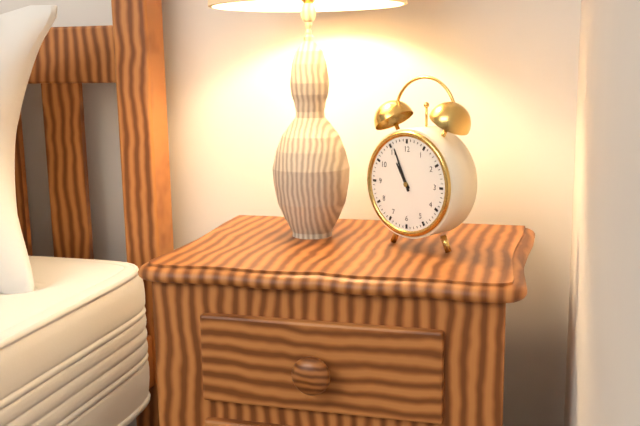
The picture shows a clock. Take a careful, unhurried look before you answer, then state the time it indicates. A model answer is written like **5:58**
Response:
**10:56**
